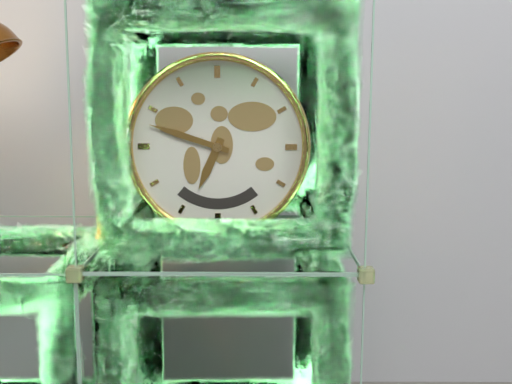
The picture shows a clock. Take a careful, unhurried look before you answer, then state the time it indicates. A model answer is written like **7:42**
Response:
**6:48**
